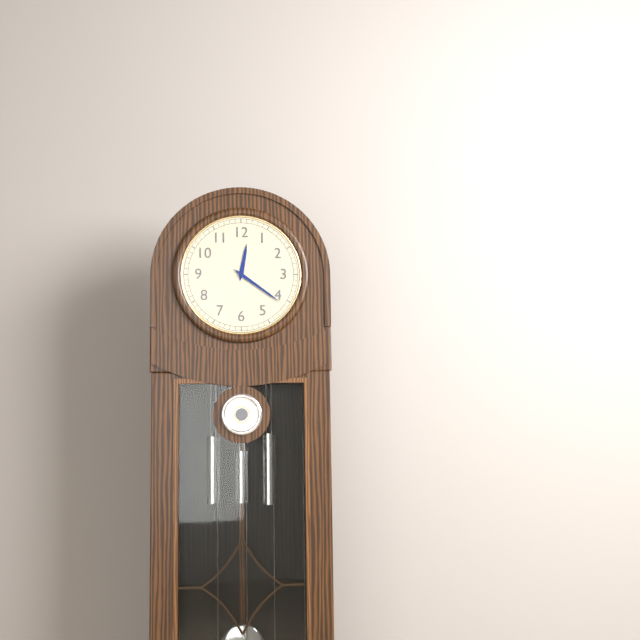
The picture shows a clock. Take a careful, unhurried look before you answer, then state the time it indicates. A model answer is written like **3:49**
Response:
**12:21**
